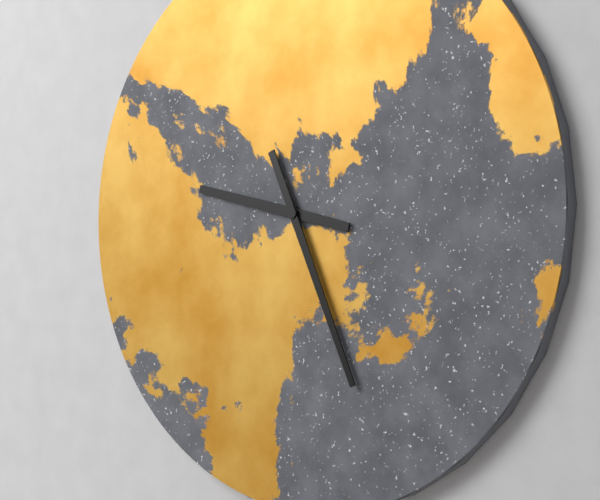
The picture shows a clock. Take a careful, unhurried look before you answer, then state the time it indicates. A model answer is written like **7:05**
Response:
**9:26**
